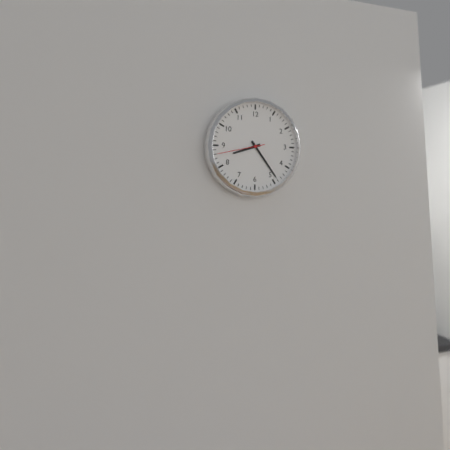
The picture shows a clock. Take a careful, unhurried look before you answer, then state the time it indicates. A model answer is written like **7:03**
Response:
**8:24**
